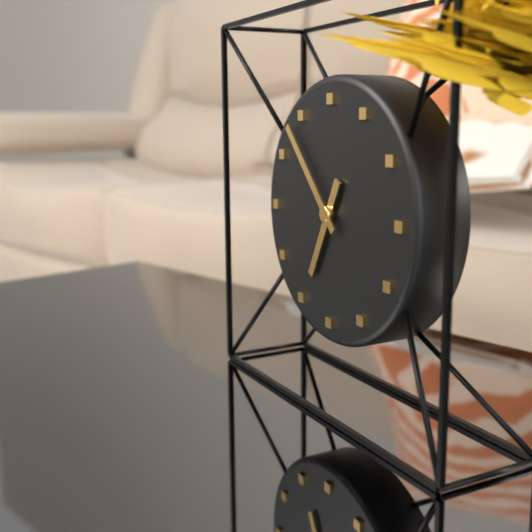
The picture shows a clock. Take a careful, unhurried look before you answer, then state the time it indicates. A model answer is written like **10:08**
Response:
**6:53**
